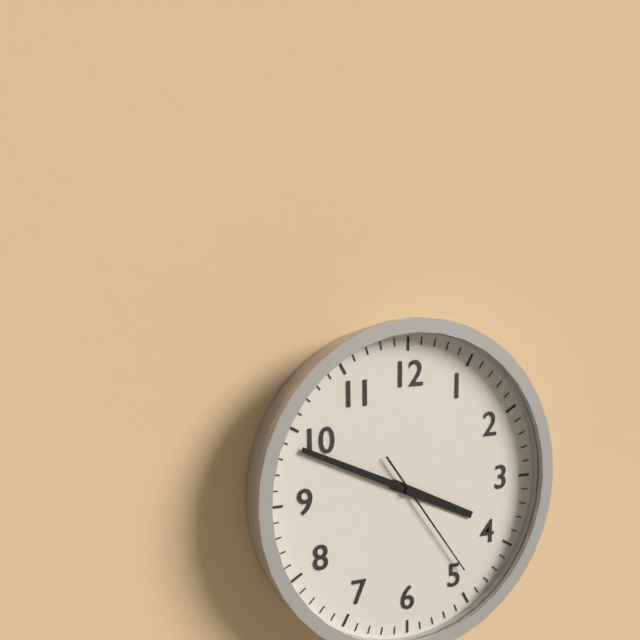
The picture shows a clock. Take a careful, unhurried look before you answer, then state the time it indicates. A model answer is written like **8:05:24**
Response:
**3:49:24**
